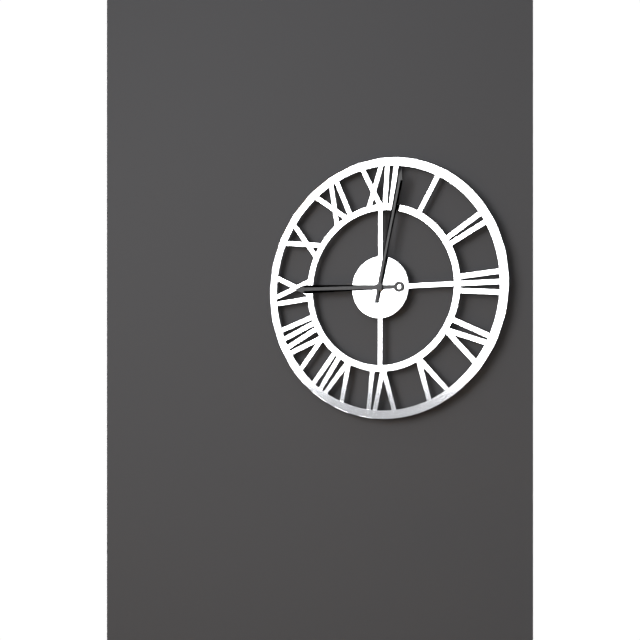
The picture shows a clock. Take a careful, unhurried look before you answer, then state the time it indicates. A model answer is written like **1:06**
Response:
**9:02**
